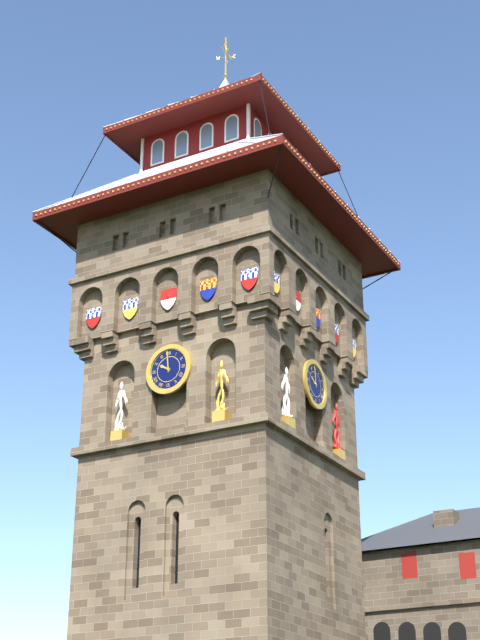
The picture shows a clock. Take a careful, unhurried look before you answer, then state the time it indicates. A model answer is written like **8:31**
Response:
**9:59**
